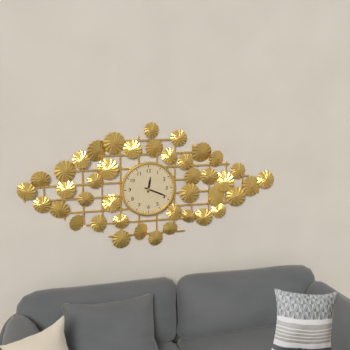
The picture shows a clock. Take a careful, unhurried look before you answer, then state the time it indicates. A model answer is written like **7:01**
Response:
**12:19**
